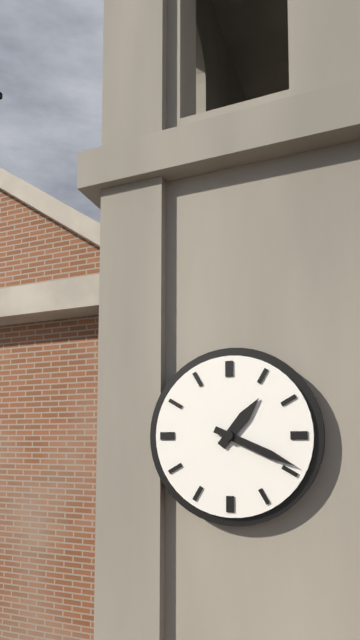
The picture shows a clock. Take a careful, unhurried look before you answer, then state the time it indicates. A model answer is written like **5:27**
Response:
**1:19**
